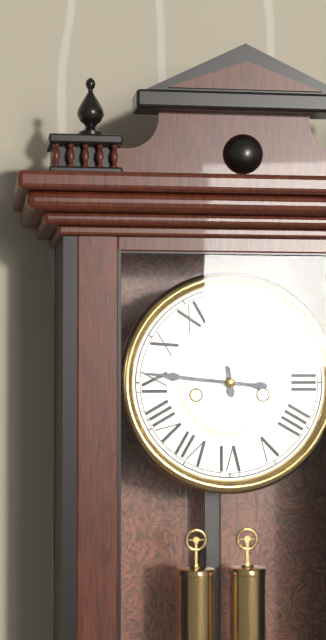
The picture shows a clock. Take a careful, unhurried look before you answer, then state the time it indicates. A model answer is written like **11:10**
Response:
**11:46**
